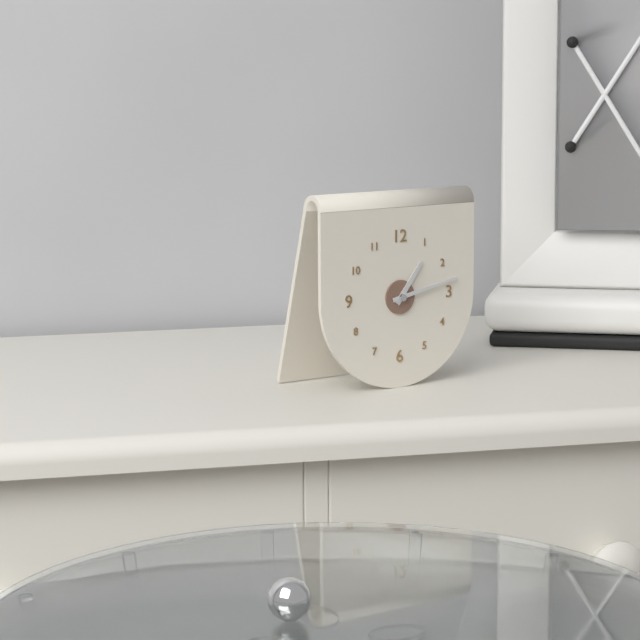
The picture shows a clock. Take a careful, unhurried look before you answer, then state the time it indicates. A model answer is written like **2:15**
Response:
**1:13**
